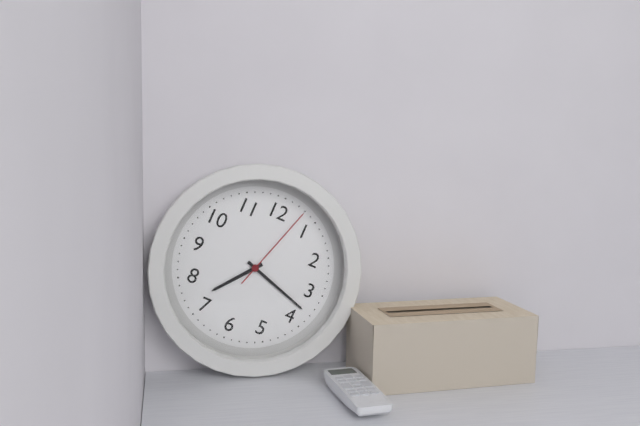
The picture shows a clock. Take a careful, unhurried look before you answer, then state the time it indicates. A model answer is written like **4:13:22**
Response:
**7:18:03**
